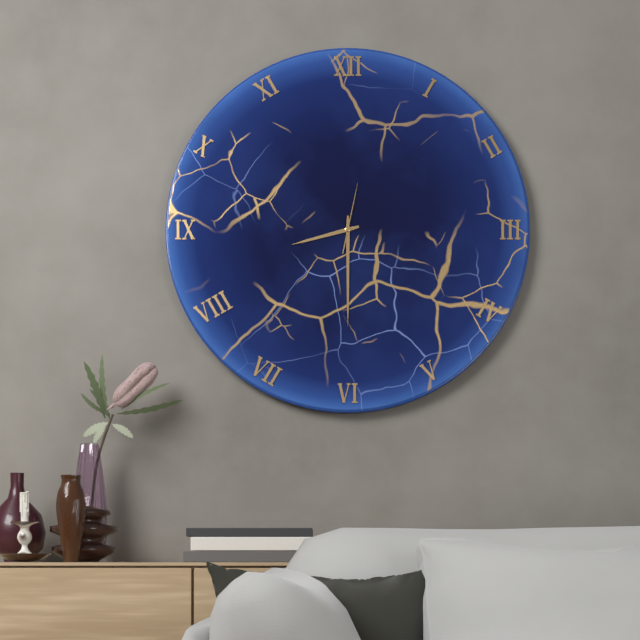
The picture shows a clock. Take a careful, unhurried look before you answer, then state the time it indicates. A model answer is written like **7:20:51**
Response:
**8:30:02**
